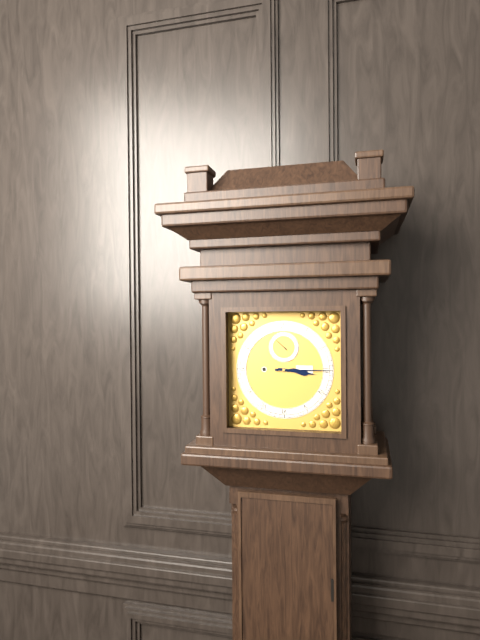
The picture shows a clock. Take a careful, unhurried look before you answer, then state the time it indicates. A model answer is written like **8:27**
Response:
**3:15**
